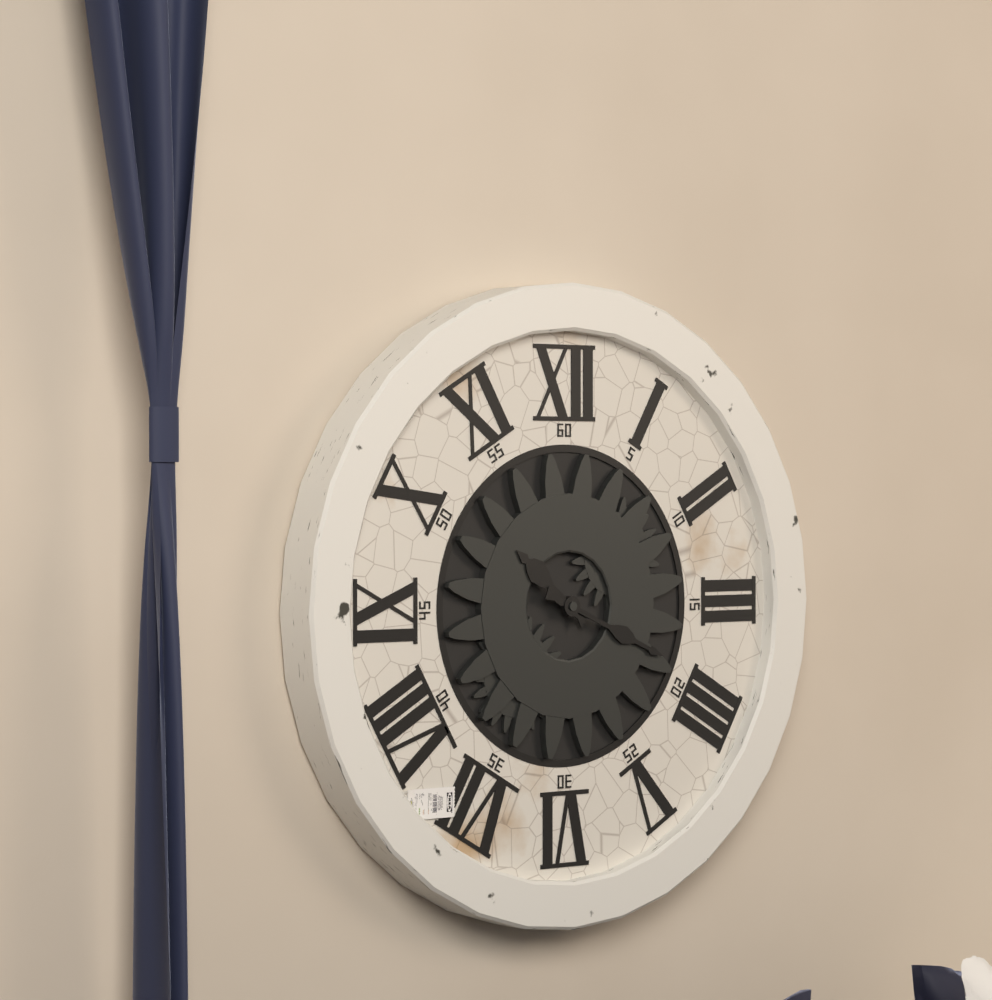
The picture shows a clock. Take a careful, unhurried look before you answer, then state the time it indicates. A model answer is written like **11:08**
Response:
**10:19**
